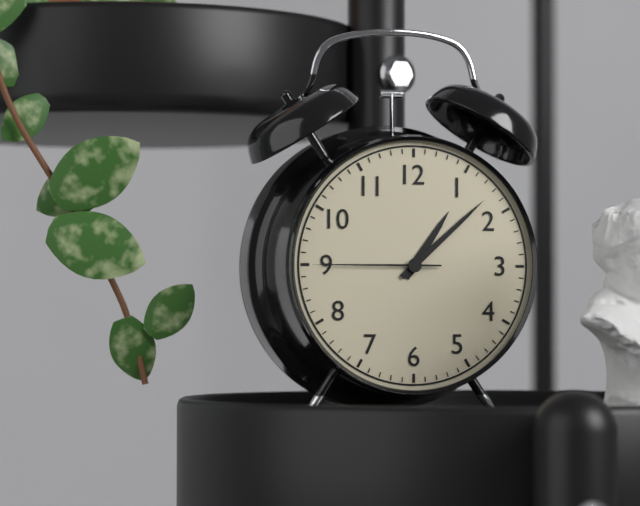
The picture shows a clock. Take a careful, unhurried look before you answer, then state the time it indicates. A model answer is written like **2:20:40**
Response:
**1:08:45**
